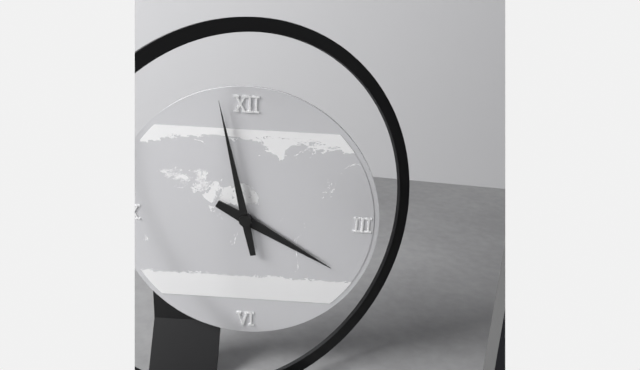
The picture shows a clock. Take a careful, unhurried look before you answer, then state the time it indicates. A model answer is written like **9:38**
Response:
**3:58**
